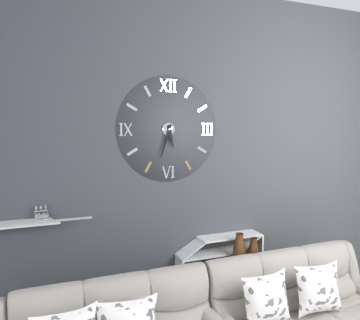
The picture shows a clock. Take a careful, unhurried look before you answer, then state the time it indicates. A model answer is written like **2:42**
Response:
**5:33**
